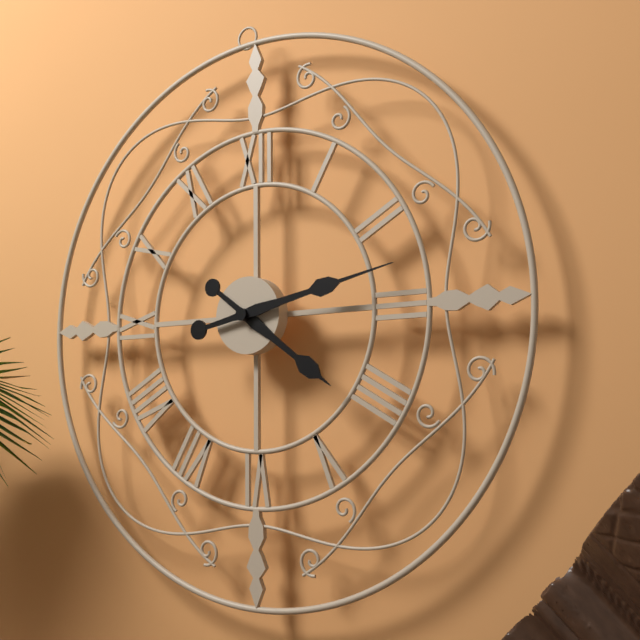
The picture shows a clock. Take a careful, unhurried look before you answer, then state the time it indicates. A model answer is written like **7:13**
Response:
**4:13**
